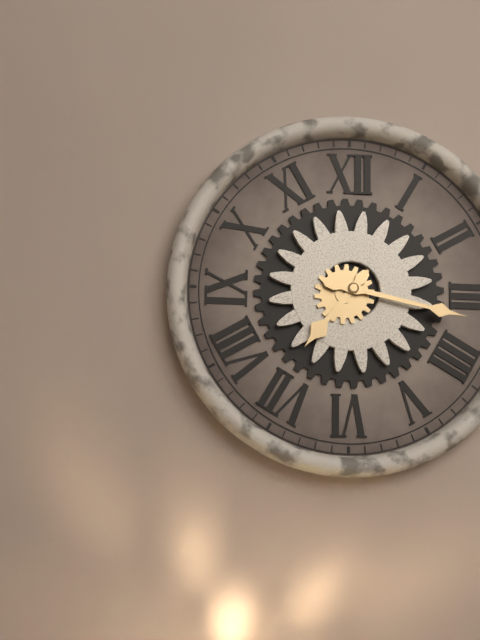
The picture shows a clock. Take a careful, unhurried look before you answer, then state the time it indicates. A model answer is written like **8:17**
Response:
**7:17**
